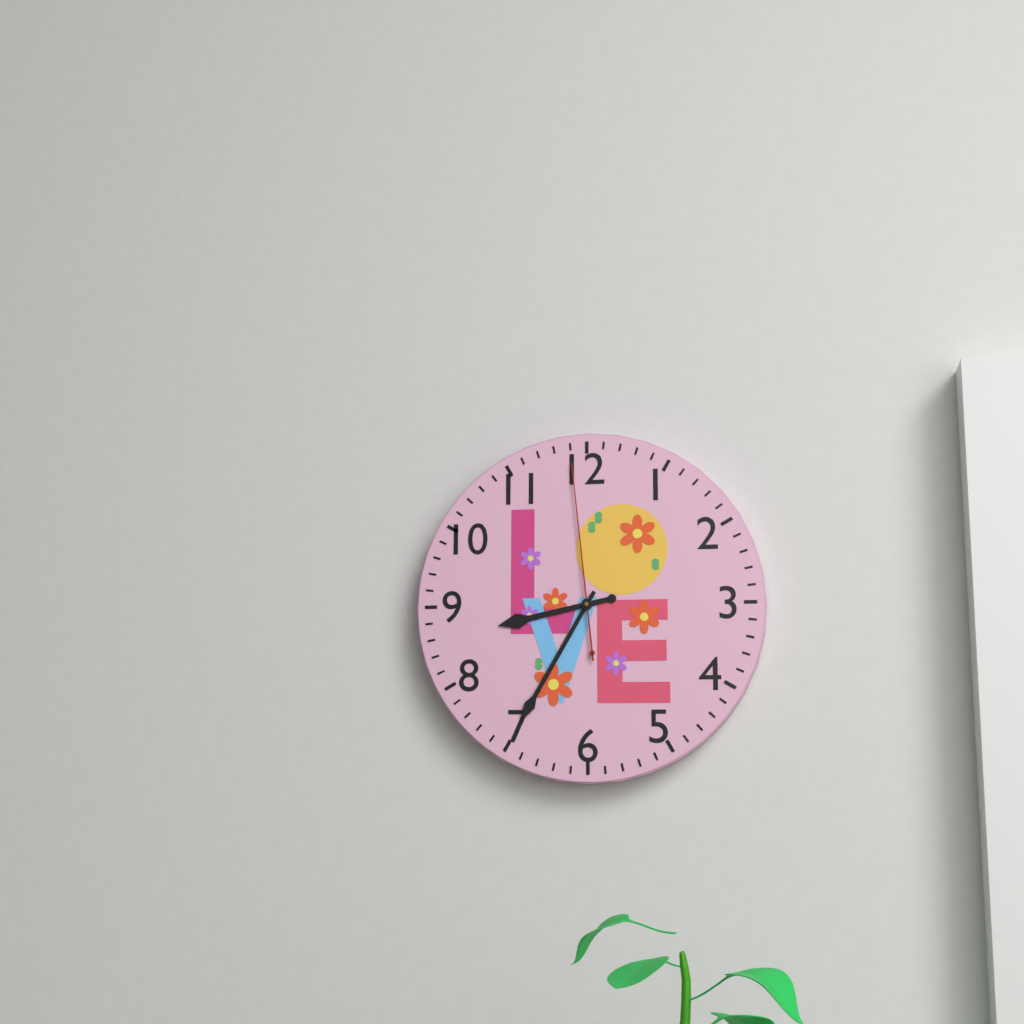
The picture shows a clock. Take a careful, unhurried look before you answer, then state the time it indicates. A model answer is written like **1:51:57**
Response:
**8:35:59**
